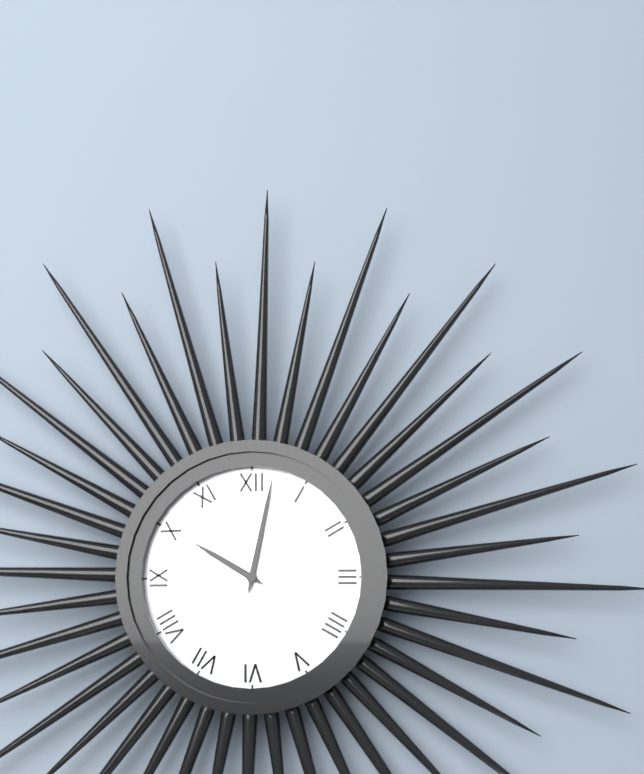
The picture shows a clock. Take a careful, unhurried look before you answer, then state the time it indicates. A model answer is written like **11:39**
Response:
**10:02**
